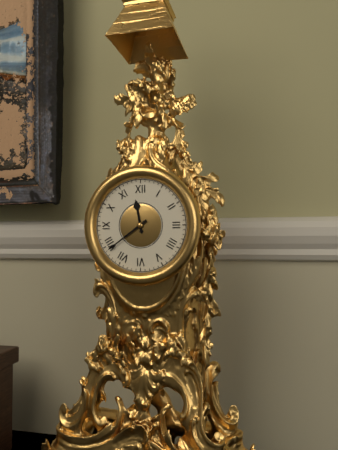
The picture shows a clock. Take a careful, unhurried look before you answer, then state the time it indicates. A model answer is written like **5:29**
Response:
**11:39**
